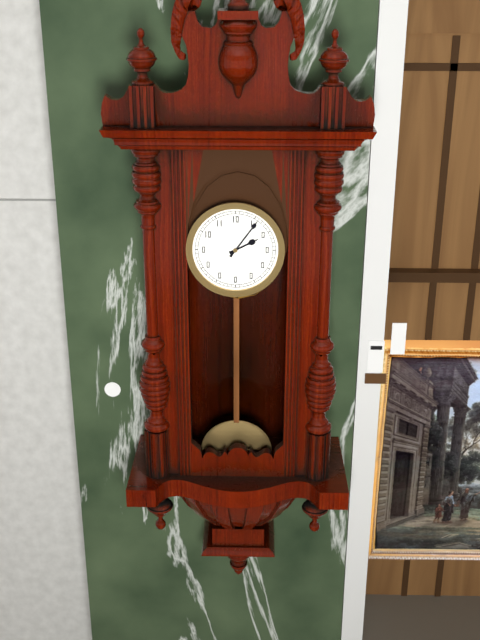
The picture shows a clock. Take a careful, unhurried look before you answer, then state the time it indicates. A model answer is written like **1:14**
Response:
**2:06**
